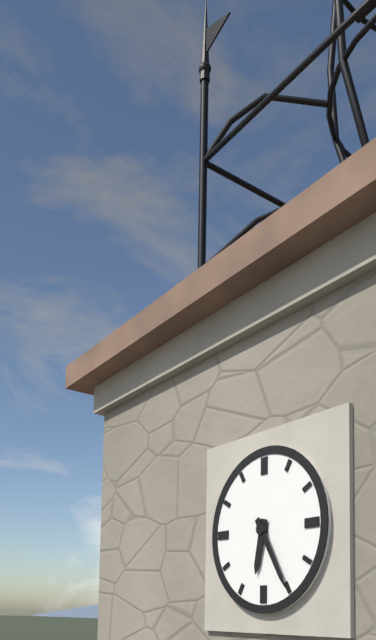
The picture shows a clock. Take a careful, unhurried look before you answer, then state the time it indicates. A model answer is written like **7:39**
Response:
**6:25**
